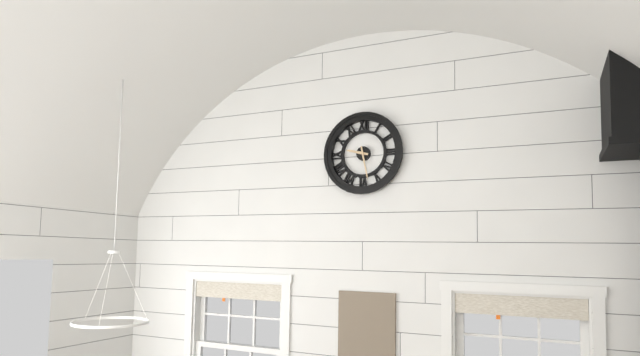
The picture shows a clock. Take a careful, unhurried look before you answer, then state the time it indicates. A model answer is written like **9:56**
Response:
**9:28**
